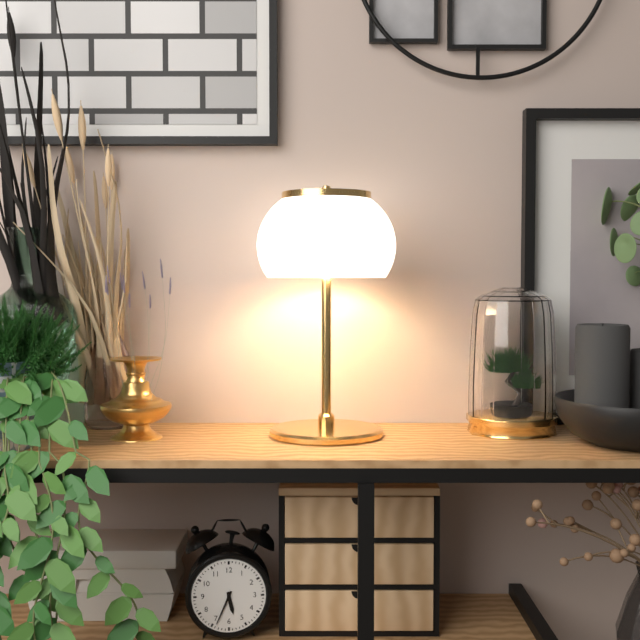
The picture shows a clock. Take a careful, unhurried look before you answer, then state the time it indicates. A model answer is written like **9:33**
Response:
**5:34**
